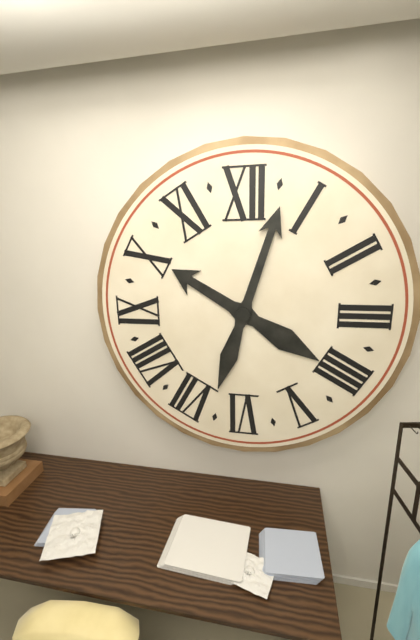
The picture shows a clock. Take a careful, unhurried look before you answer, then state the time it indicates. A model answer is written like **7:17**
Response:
**10:03**
